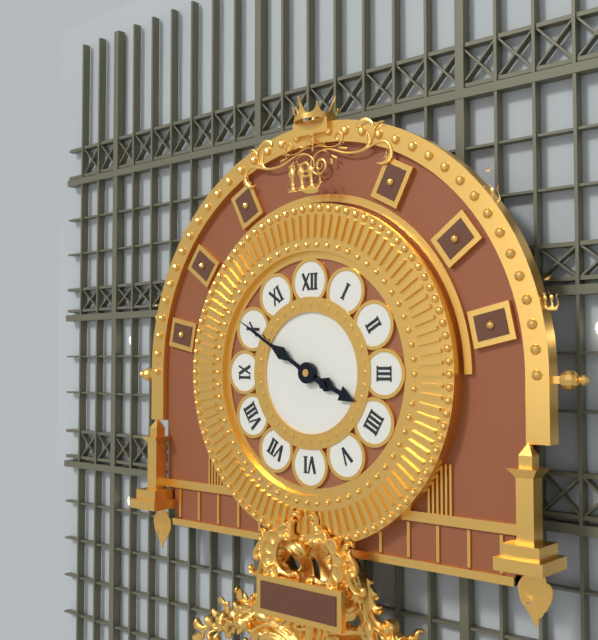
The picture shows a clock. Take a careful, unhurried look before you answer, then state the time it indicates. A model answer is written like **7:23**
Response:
**3:50**
